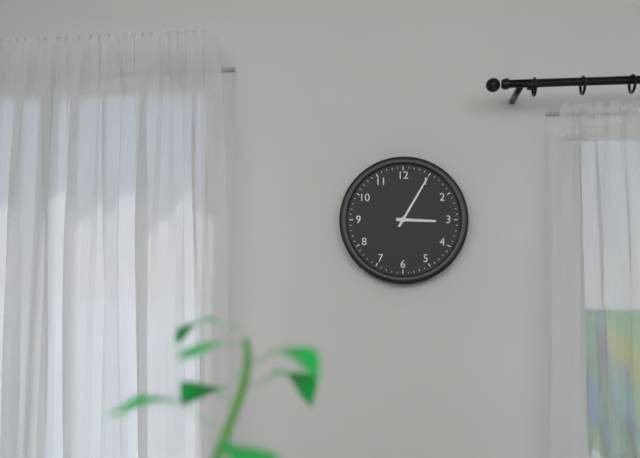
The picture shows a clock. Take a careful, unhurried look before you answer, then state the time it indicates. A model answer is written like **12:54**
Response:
**3:05**
